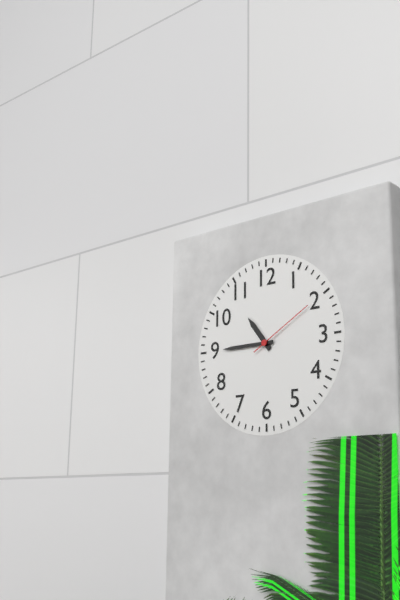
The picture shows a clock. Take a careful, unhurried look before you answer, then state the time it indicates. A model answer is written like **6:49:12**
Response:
**10:45:10**
